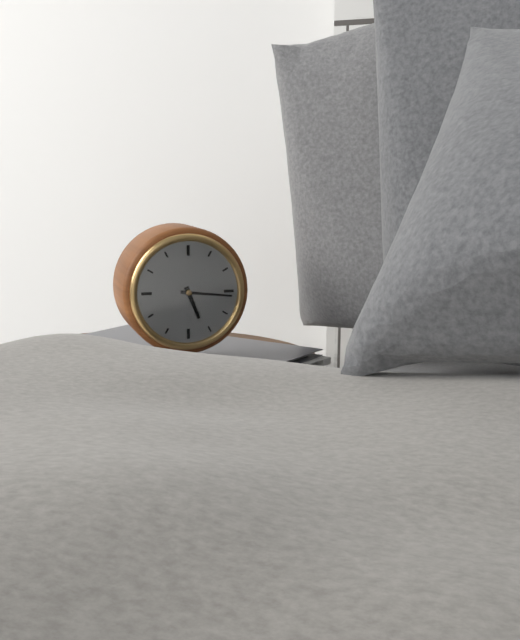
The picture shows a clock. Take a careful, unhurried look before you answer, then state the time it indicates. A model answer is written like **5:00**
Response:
**5:16**
